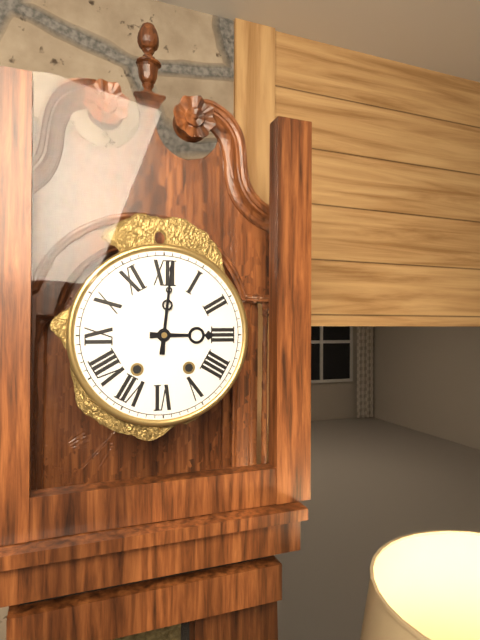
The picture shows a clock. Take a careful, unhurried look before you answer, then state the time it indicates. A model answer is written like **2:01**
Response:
**3:01**
